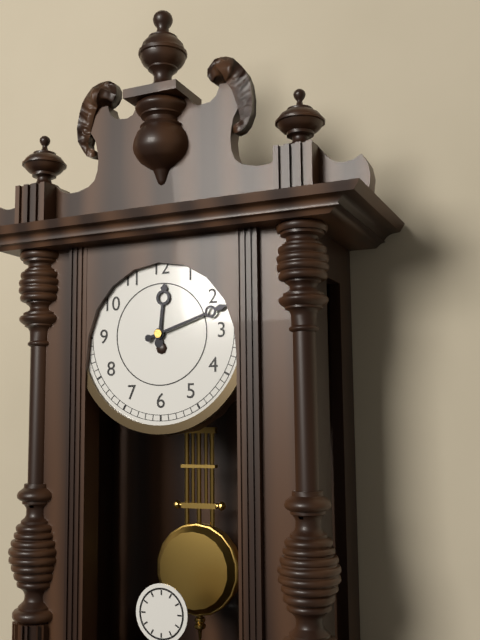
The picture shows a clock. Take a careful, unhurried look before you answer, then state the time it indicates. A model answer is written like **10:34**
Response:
**12:12**
